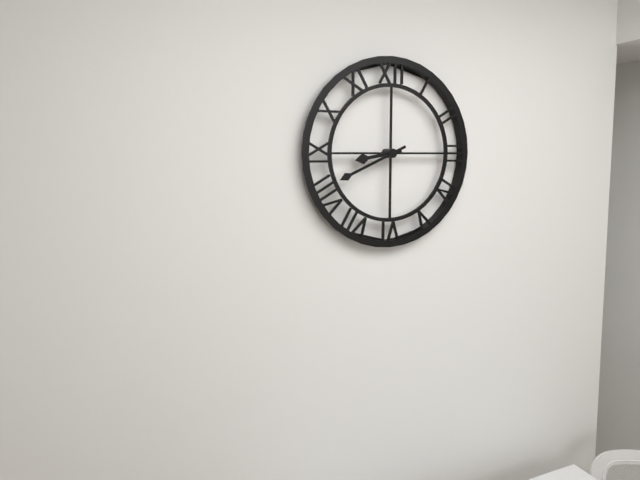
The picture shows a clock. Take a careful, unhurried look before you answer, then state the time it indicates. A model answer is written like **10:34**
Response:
**8:41**
